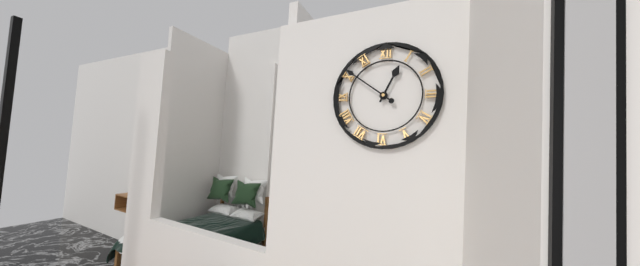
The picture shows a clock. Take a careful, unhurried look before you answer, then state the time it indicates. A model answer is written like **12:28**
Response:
**12:51**
